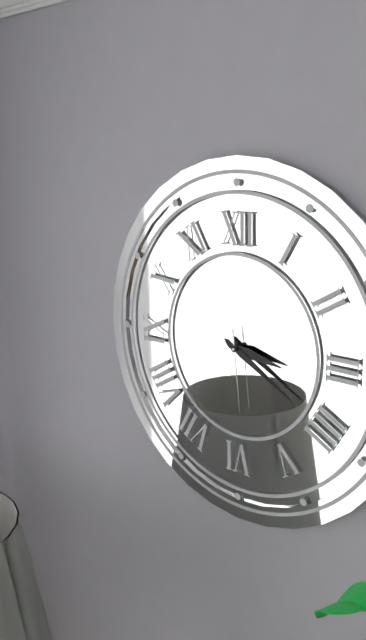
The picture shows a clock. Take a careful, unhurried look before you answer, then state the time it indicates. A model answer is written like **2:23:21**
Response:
**3:20:29**
